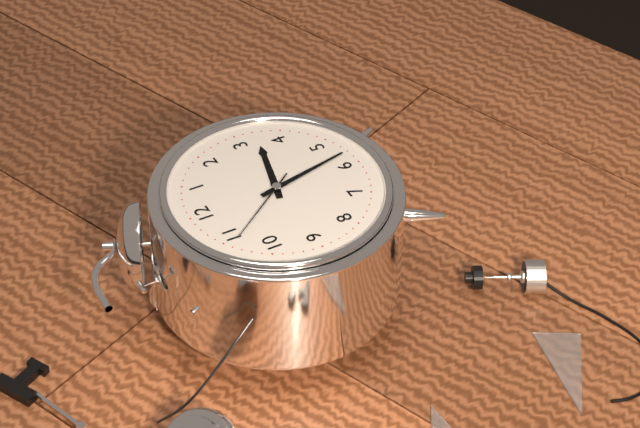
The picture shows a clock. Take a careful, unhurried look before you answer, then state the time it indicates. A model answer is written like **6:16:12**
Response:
**3:28:54**
